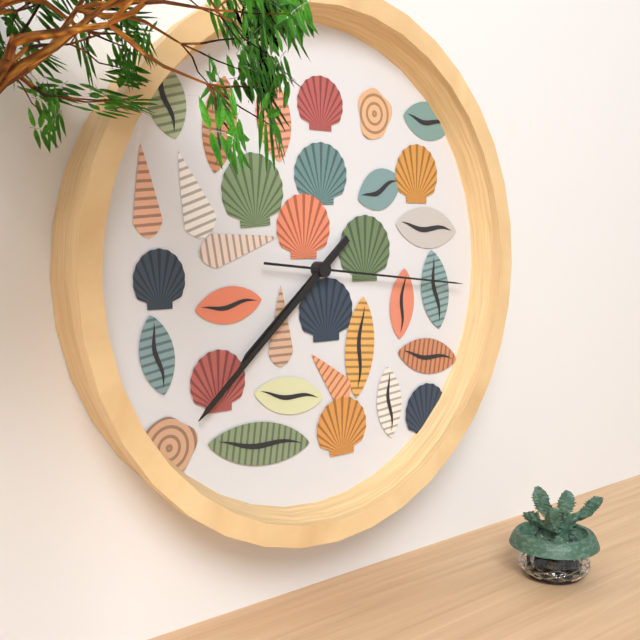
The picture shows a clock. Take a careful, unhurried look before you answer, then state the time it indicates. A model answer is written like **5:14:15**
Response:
**7:38:16**
